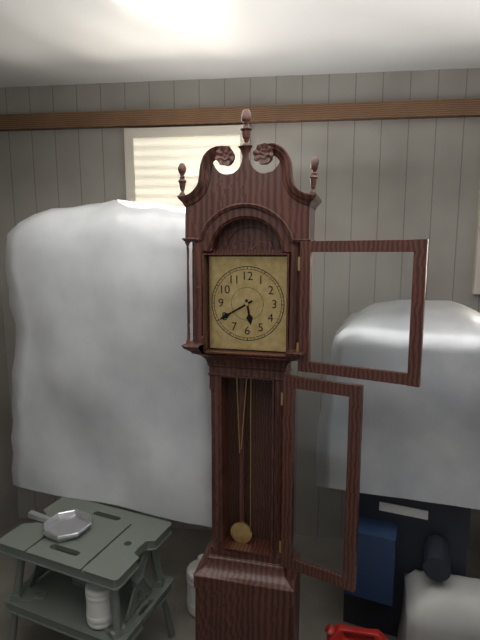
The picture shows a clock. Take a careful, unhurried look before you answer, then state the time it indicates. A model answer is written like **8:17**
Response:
**5:40**
